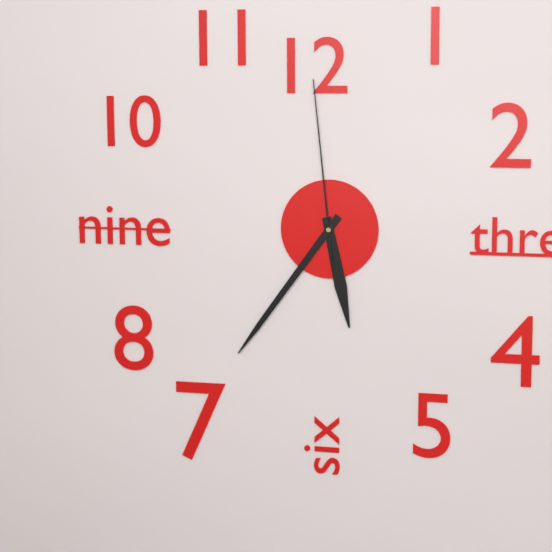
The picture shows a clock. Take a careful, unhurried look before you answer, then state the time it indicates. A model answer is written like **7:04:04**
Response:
**5:36:59**
